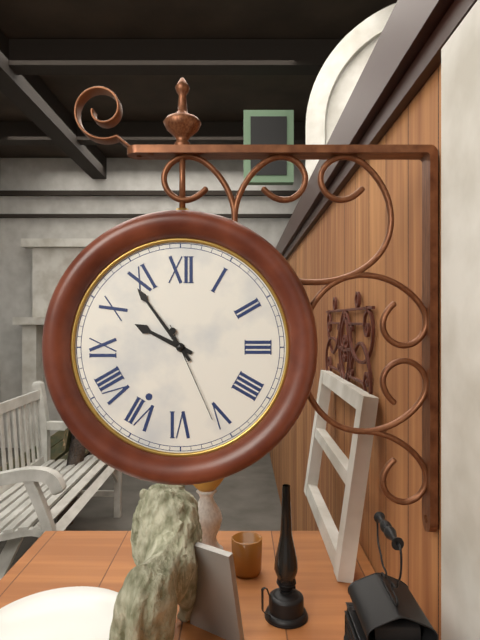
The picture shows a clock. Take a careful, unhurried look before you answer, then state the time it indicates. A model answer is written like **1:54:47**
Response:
**9:54:26**
